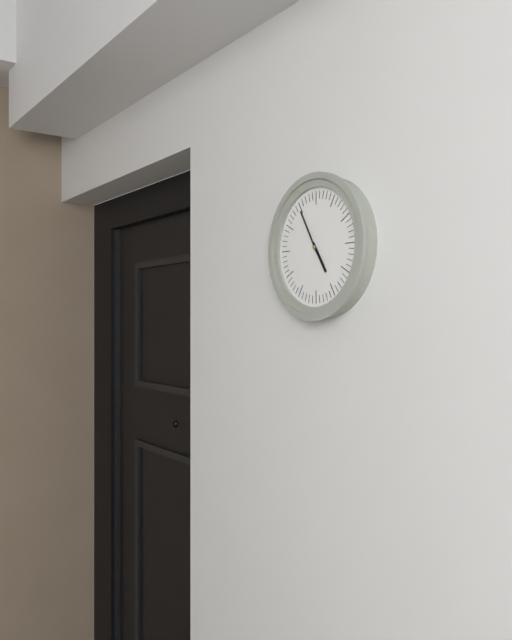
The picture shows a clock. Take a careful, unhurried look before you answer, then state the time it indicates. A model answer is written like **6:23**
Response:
**4:55**
